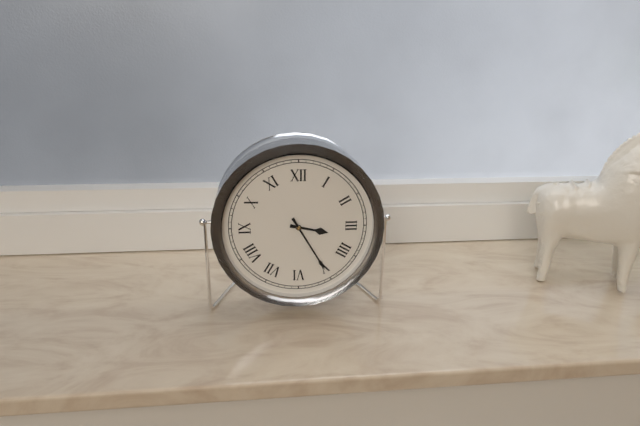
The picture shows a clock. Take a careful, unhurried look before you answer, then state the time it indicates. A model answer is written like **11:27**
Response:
**3:25**
